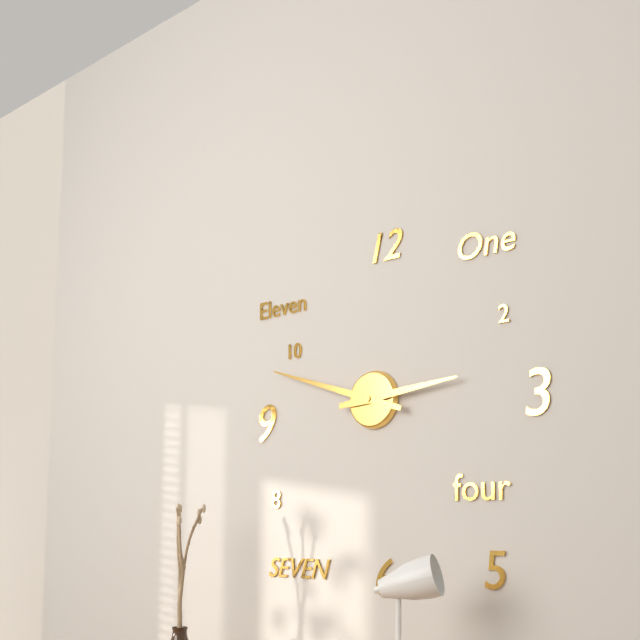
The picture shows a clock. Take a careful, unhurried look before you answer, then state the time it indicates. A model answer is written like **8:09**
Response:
**2:48**
